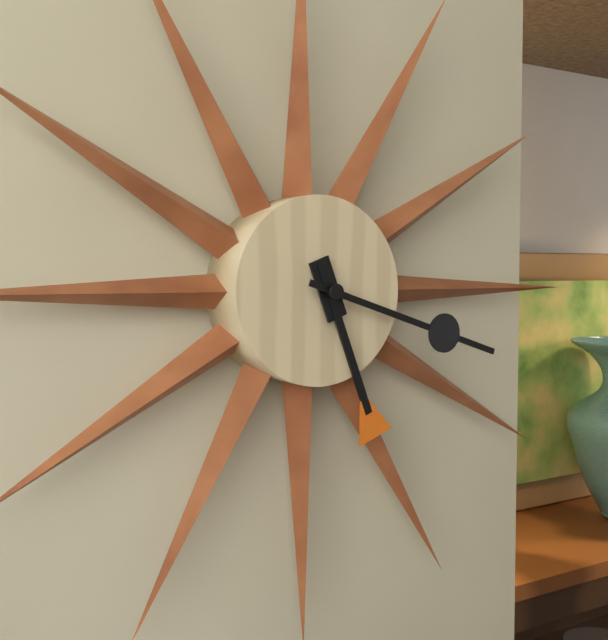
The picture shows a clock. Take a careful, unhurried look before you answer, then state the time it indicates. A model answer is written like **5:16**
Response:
**5:18**
